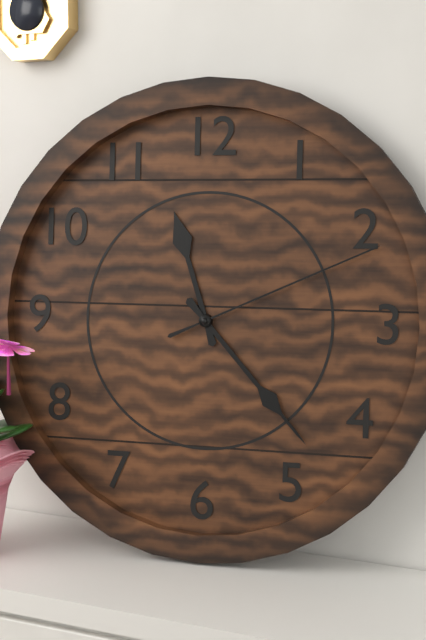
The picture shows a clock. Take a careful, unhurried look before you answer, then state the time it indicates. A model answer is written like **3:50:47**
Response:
**11:23:11**
